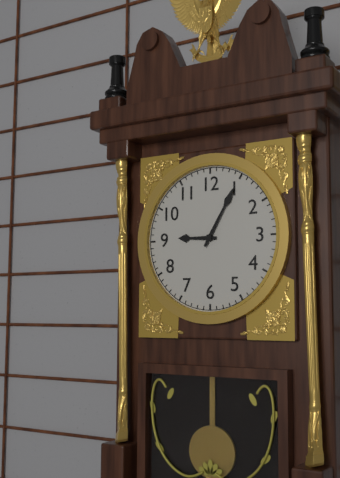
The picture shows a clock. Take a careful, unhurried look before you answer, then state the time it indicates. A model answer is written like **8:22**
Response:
**9:05**
